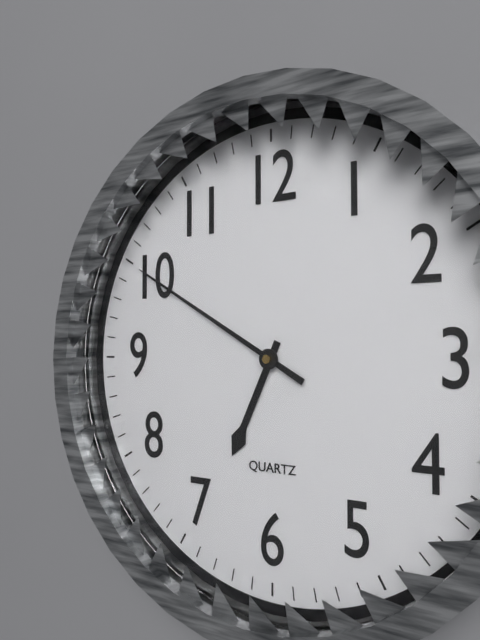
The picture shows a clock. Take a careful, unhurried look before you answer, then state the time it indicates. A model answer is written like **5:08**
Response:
**6:50**
